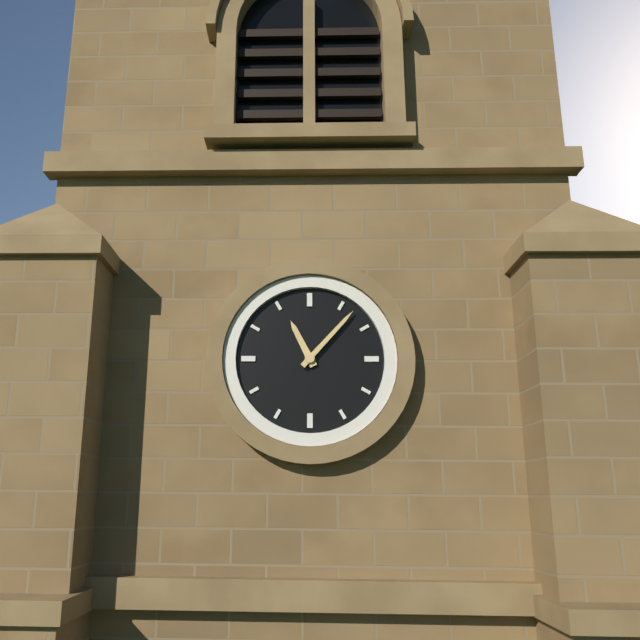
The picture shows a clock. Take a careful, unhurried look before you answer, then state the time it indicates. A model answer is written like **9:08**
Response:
**11:07**
